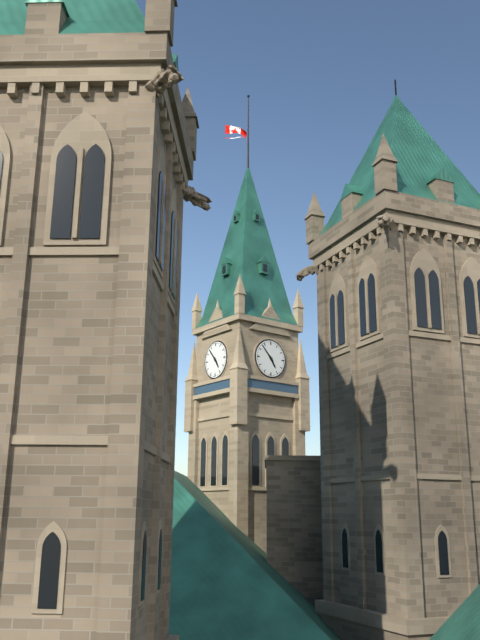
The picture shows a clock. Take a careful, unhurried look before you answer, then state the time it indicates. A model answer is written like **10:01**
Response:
**4:53**
